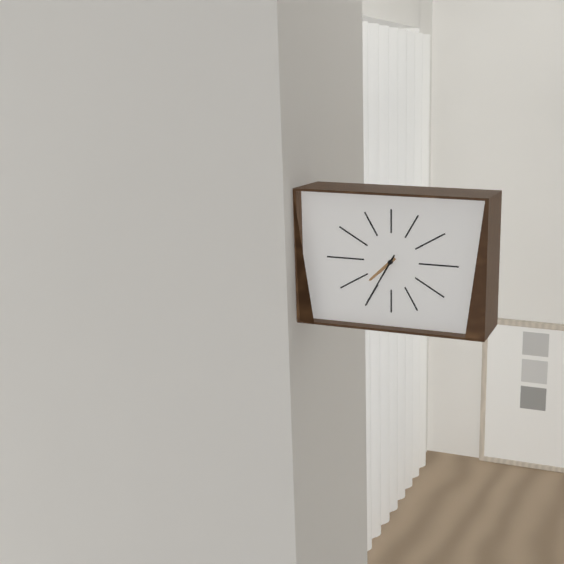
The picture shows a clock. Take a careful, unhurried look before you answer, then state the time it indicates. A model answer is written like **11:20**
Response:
**7:35**
